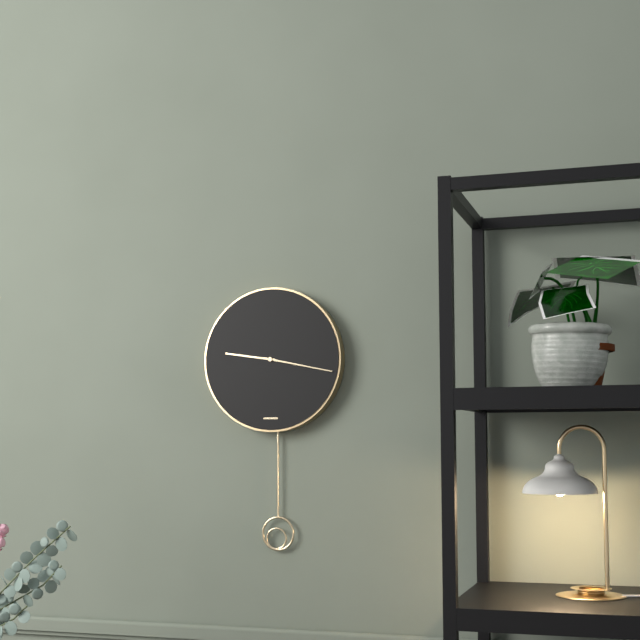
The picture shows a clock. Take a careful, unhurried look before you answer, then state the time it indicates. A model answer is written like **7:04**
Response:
**9:17**
